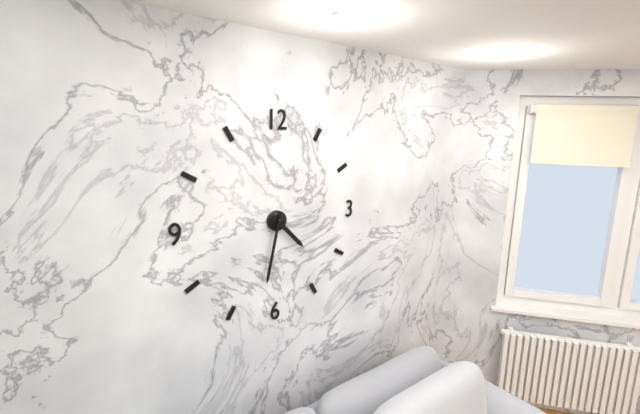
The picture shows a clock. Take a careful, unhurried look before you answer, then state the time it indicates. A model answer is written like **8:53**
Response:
**4:32**
